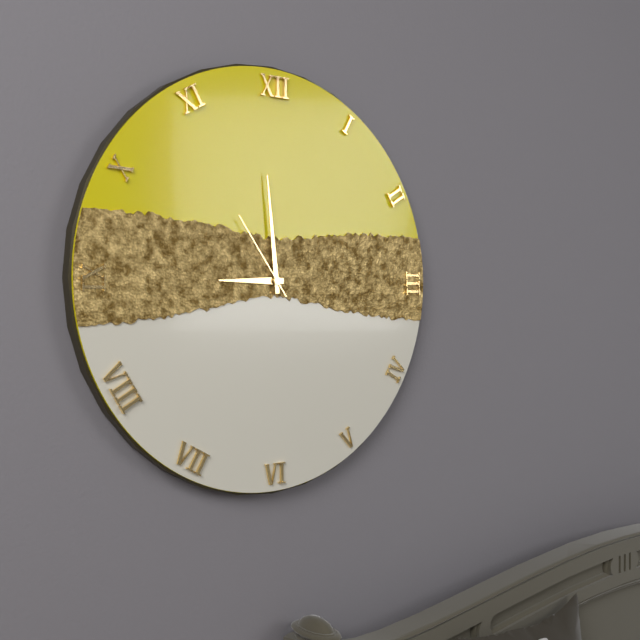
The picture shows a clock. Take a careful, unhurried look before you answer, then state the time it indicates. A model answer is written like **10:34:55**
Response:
**8:59:54**
